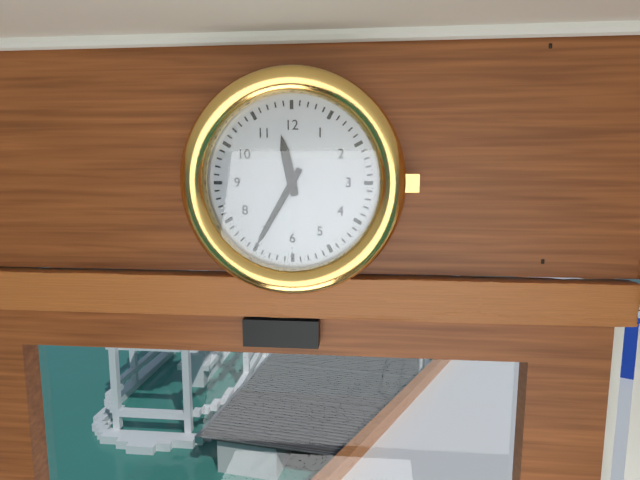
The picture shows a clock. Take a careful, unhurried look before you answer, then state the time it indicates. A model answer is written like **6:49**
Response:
**11:35**
